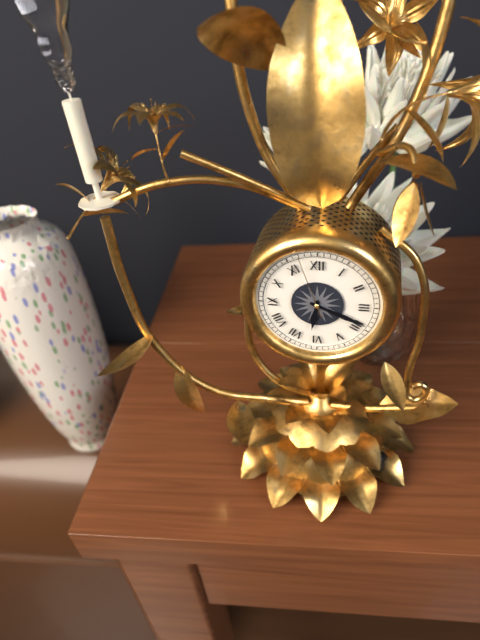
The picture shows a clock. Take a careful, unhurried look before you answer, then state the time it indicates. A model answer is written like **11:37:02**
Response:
**6:19:57**
